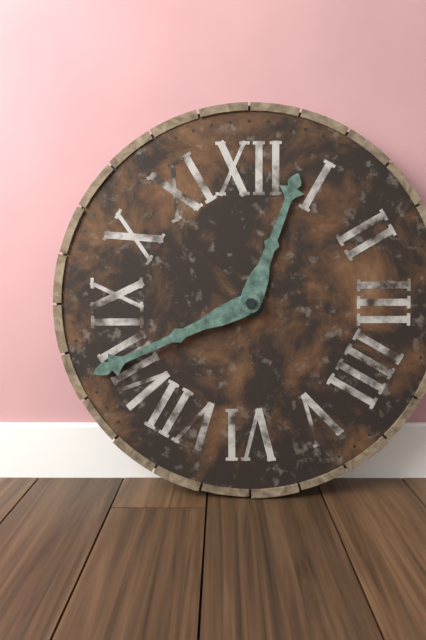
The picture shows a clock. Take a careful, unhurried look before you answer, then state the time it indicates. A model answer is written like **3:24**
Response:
**12:41**
